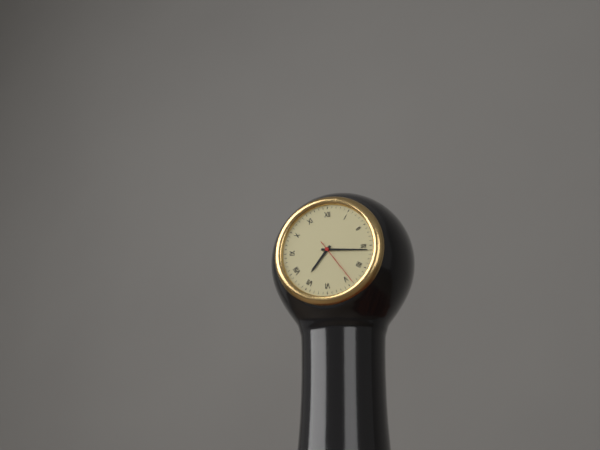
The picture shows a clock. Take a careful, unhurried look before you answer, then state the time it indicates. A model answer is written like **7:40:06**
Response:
**7:16:24**
